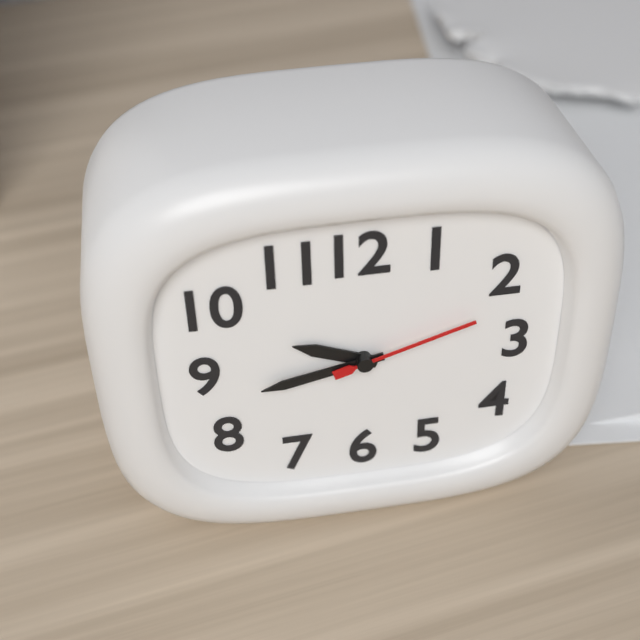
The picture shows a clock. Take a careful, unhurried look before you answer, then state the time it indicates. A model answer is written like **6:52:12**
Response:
**9:43:12**
